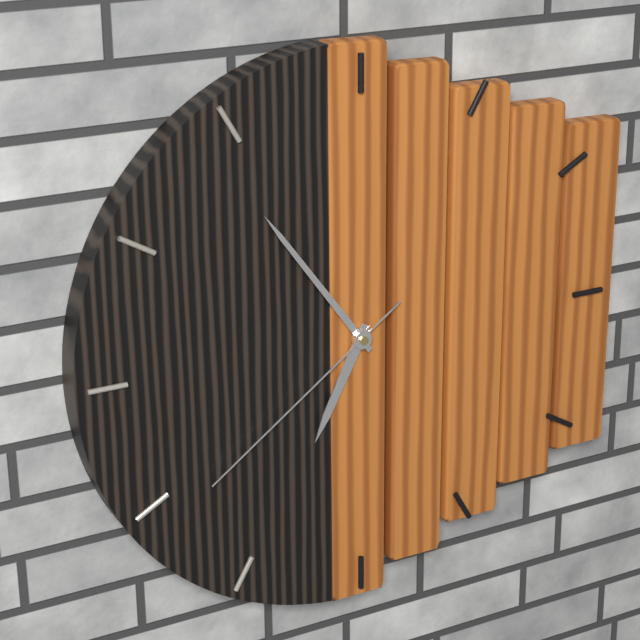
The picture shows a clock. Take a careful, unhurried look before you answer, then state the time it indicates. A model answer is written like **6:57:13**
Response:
**6:54:39**
